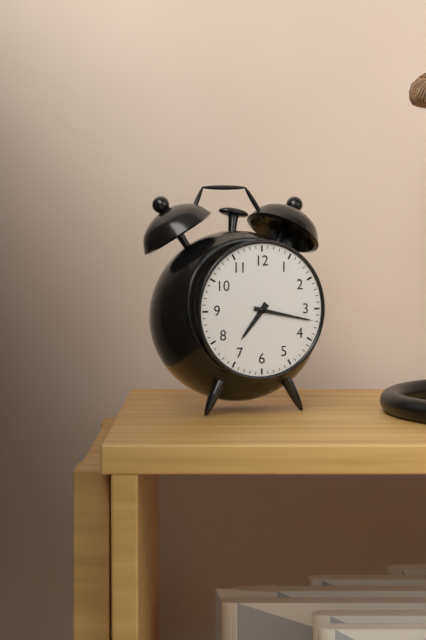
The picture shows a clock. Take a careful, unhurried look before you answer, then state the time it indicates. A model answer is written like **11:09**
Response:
**7:17**
